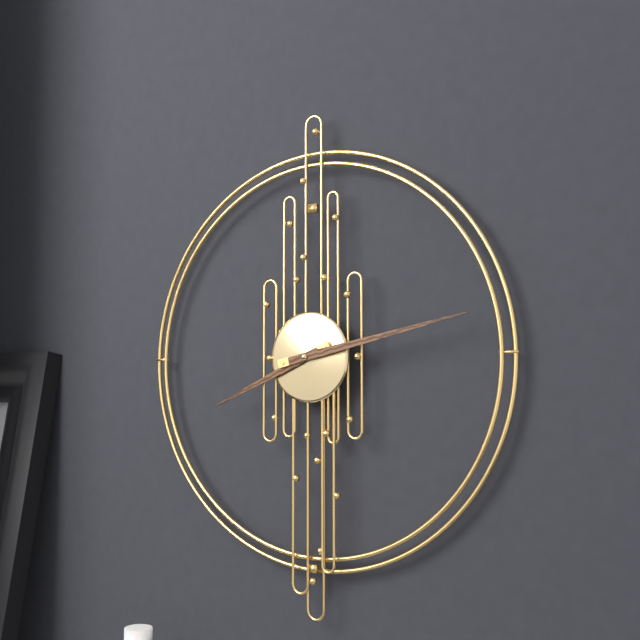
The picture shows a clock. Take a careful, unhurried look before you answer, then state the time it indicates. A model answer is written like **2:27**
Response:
**8:13**
